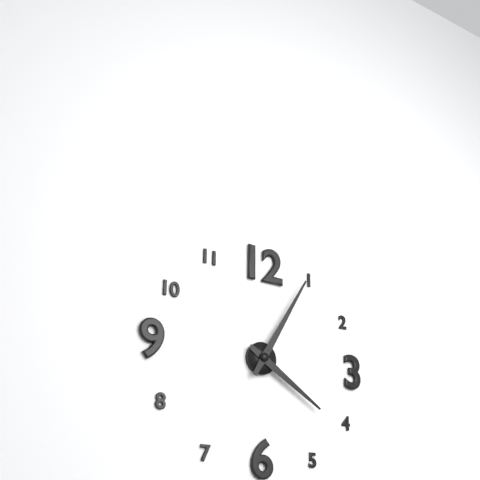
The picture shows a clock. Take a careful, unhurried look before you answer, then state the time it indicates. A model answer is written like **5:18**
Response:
**4:05**
